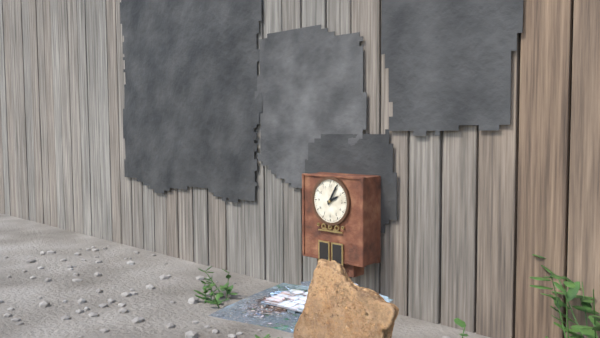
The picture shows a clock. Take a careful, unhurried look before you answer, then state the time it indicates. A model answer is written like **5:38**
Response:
**2:05**
